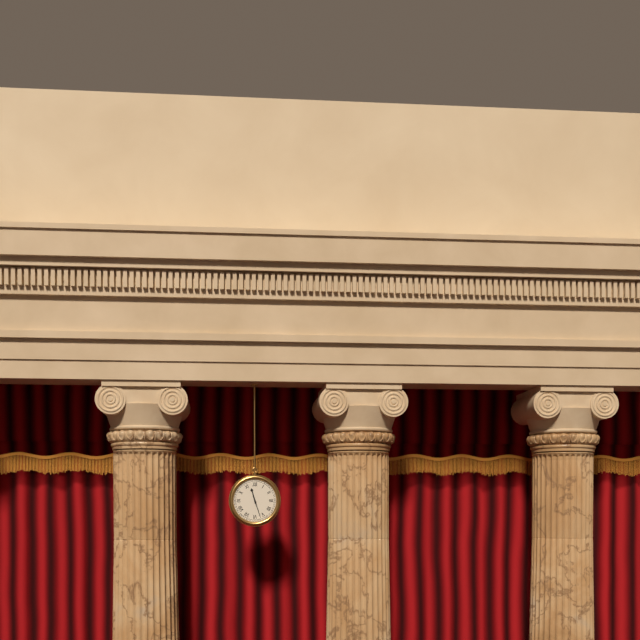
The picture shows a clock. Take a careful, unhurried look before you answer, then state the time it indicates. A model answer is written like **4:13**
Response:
**11:27**
